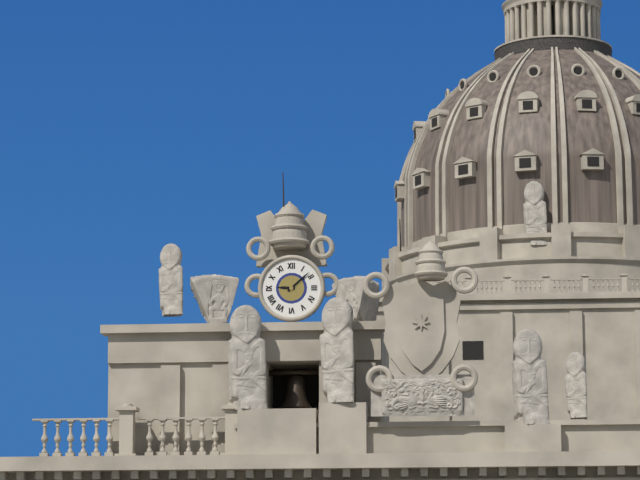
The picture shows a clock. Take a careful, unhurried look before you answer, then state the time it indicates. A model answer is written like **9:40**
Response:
**9:08**
